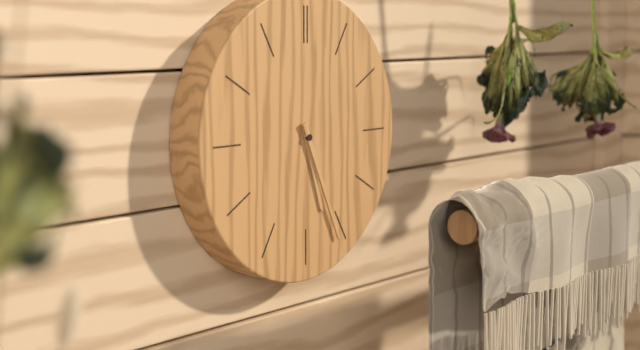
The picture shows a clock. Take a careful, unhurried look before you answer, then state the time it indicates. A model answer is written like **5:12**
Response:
**5:26**
